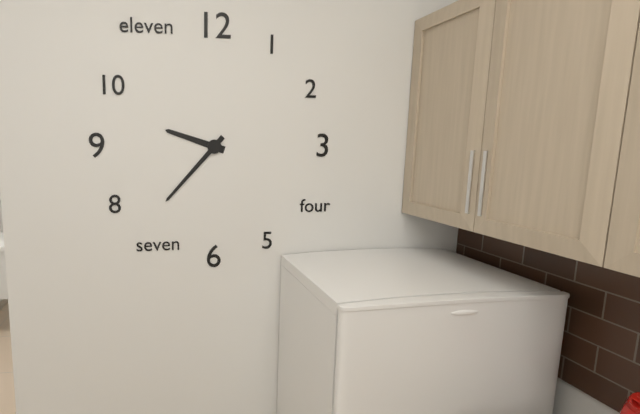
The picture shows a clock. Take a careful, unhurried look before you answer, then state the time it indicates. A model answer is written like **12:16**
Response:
**9:37**
